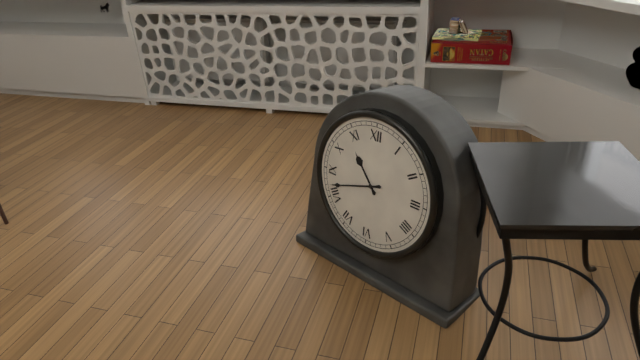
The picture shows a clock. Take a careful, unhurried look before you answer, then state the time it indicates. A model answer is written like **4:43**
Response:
**10:42**
